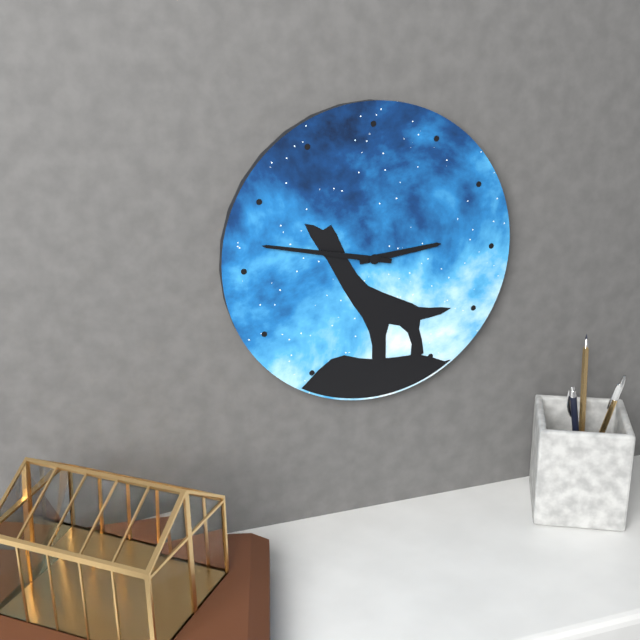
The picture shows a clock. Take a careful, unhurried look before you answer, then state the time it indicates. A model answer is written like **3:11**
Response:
**2:47**
